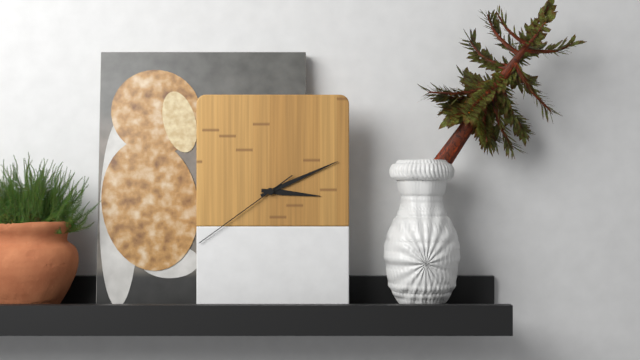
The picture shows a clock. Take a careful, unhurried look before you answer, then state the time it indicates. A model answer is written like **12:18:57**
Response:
**3:11:39**
